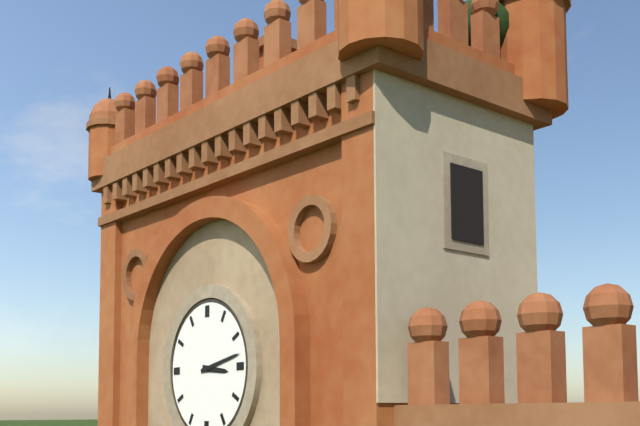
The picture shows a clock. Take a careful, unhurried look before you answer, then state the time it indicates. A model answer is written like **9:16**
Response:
**3:13**
